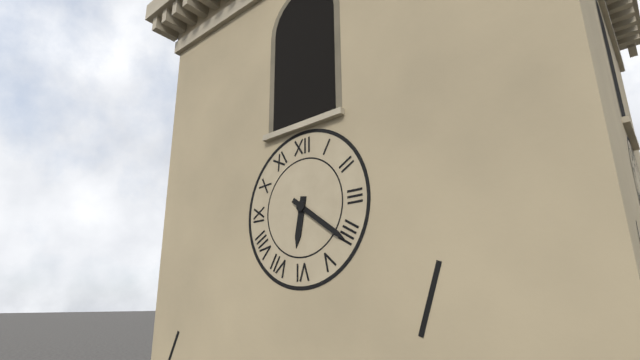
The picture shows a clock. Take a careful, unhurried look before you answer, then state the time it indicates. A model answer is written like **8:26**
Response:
**6:21**
